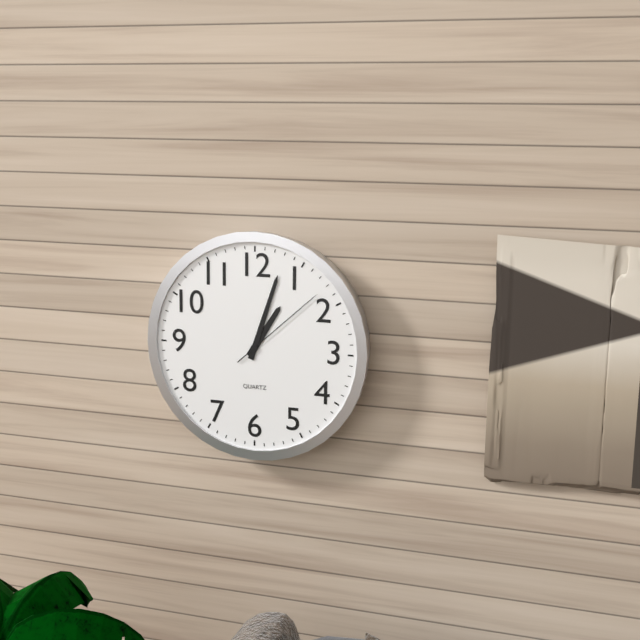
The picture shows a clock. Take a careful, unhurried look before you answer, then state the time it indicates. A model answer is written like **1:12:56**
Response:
**1:03:08**
